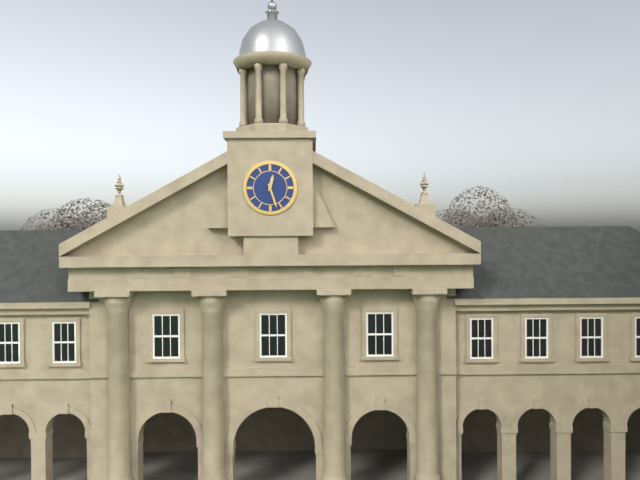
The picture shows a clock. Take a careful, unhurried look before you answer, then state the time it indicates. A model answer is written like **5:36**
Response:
**12:27**
